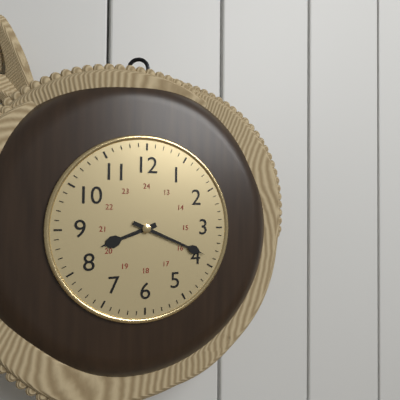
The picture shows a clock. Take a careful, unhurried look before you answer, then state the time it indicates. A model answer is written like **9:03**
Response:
**8:19**
